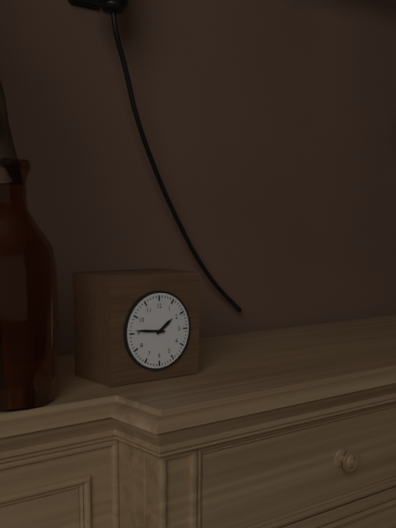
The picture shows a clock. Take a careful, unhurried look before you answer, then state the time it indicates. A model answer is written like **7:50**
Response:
**1:46**
